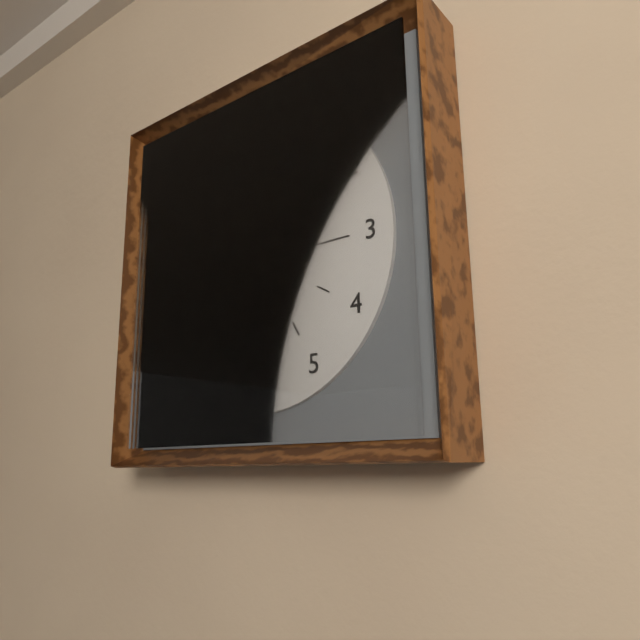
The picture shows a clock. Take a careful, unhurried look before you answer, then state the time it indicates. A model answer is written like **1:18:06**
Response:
**7:46:48**
